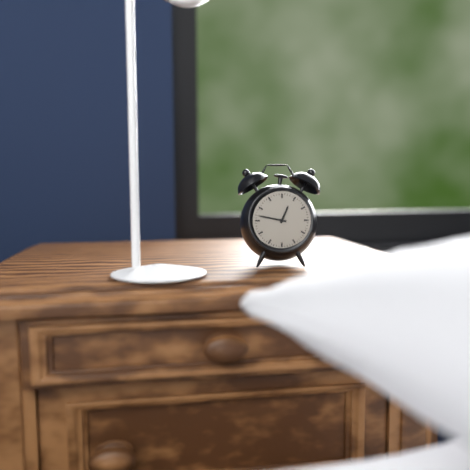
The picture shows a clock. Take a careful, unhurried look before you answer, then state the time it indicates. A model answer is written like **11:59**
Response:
**12:47**
